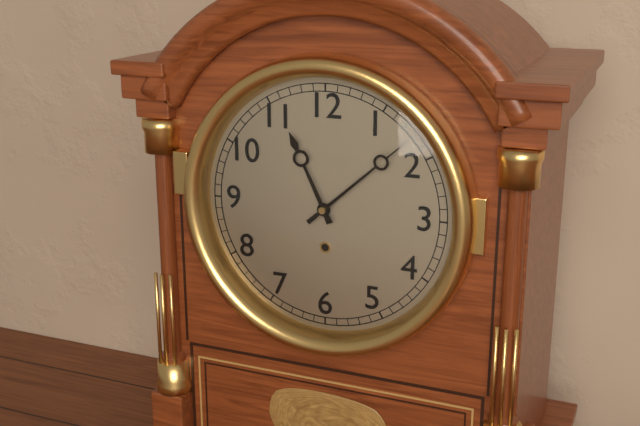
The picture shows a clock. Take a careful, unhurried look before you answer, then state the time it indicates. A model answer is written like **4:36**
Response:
**11:08**
